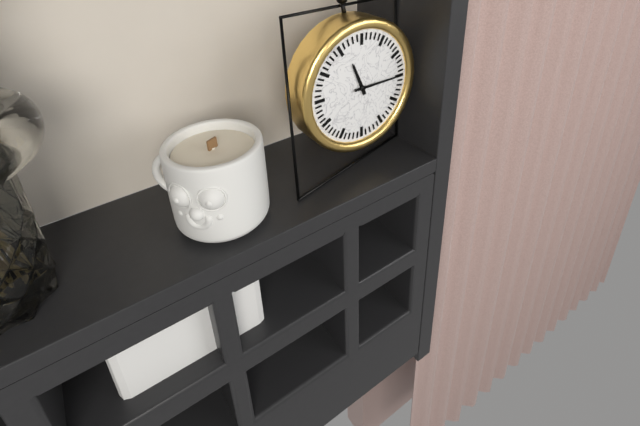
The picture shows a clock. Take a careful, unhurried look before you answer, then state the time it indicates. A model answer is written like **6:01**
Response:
**11:15**
